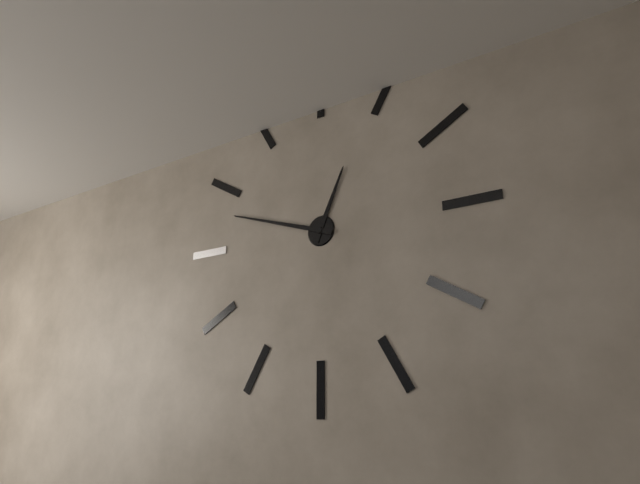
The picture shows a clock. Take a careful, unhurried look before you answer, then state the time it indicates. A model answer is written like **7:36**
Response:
**12:48**
